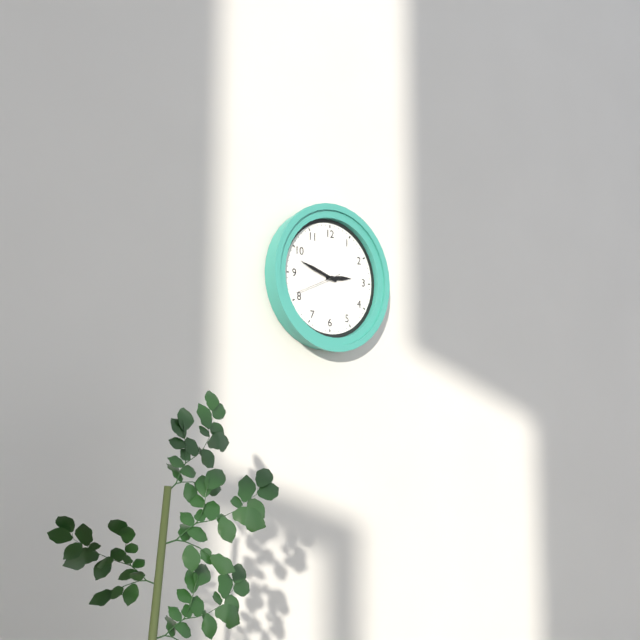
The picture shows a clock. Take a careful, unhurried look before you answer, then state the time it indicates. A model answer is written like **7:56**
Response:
**2:48**
